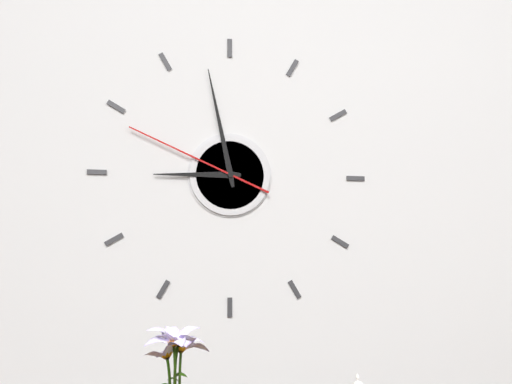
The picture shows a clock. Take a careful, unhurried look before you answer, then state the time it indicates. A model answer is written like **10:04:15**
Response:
**8:58:49**
